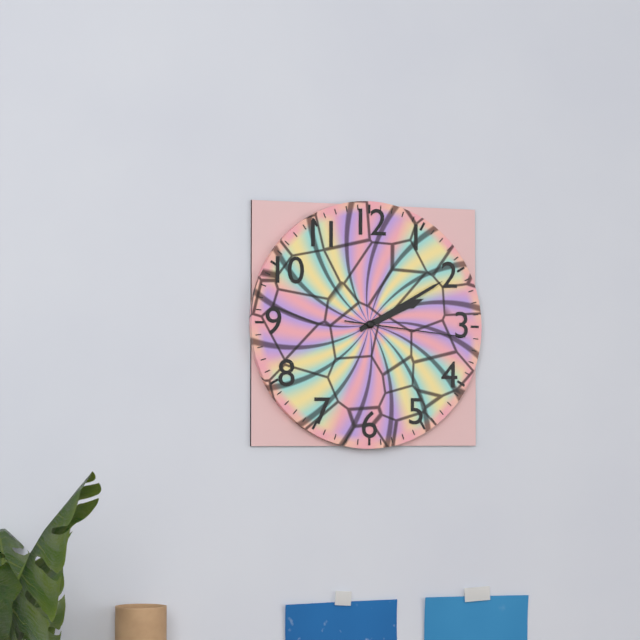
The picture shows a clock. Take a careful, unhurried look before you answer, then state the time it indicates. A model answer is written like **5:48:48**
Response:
**2:10:16**
